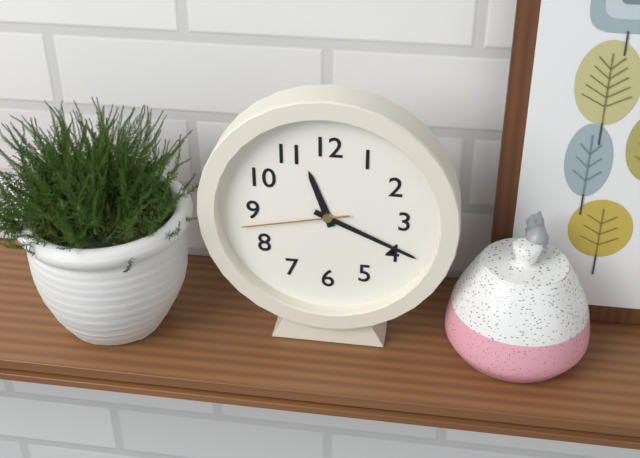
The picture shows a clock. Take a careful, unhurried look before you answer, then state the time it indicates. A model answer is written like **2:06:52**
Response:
**11:19:43**
